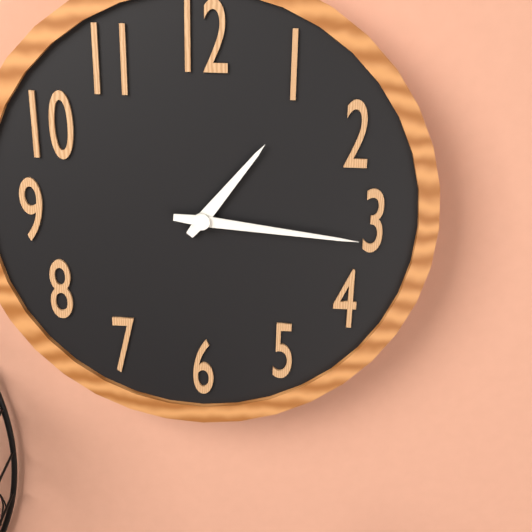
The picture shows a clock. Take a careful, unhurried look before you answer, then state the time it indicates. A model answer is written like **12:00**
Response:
**1:16**
